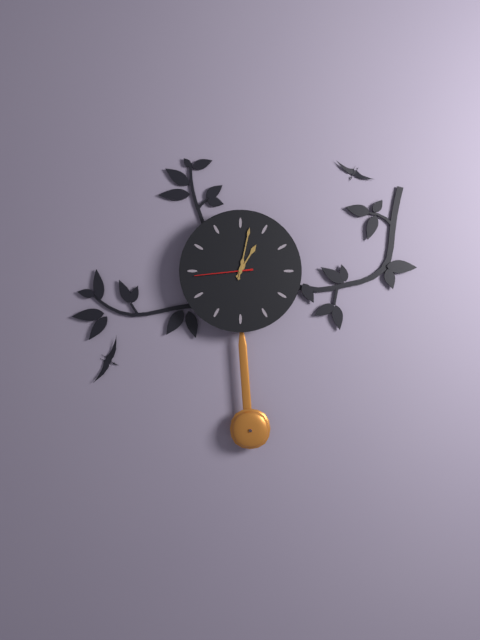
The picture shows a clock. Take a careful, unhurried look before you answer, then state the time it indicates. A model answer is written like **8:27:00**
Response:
**1:02:44**
